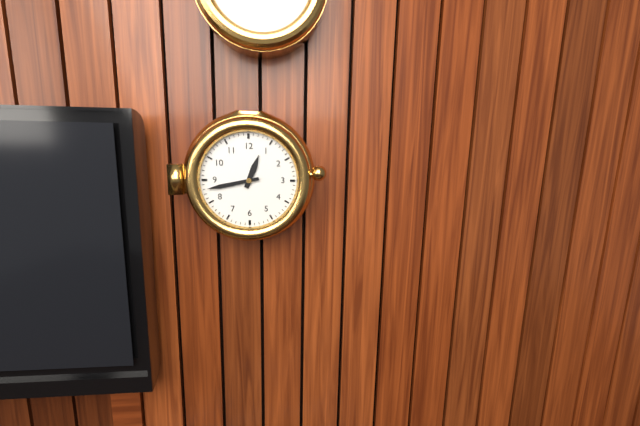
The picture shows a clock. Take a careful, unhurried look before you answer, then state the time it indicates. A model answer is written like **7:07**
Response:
**12:43**
